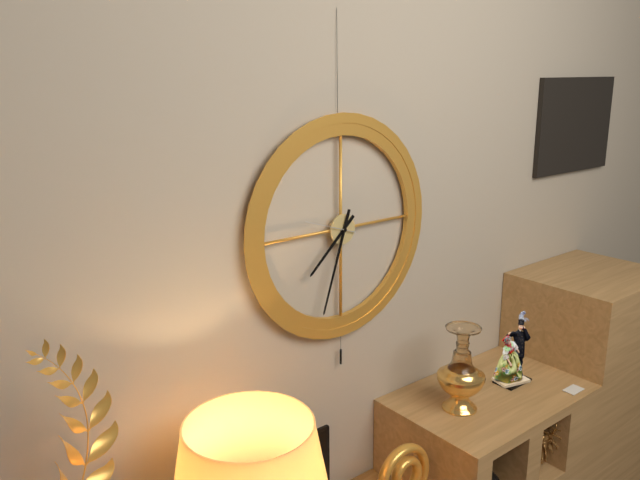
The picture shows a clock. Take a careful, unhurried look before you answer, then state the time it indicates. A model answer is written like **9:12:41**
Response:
**7:33:48**
